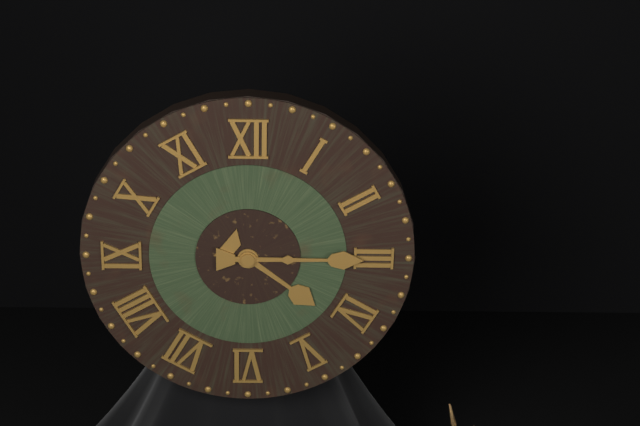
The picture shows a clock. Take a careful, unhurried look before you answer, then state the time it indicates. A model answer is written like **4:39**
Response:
**4:15**
